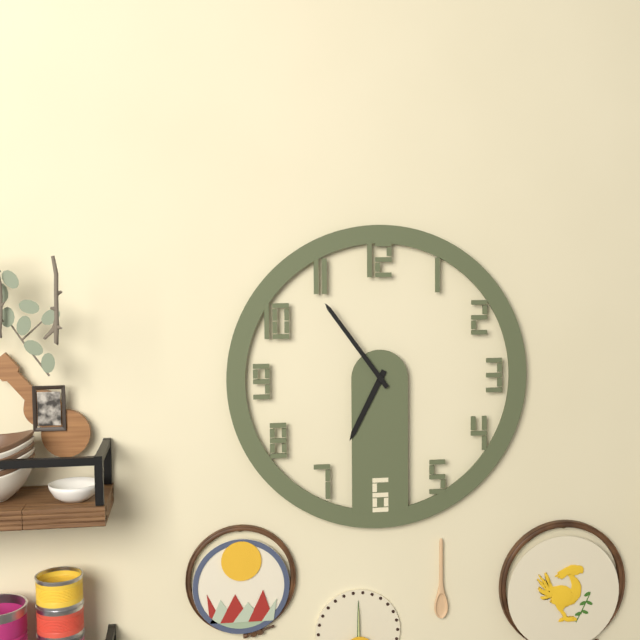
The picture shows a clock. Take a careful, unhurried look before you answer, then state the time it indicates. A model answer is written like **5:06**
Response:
**6:54**
